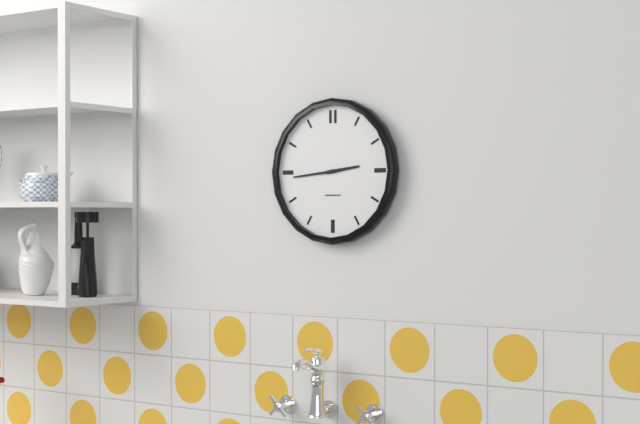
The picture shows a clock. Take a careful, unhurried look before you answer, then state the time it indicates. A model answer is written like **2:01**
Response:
**2:44**
